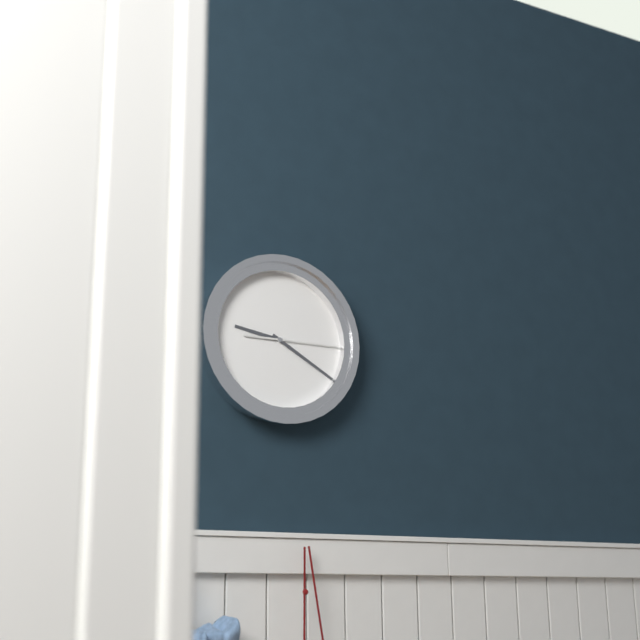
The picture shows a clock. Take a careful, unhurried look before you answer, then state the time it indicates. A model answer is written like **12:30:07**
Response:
**9:20:15**
